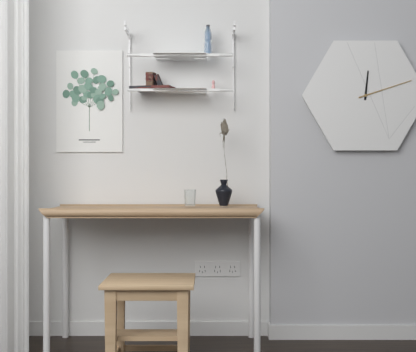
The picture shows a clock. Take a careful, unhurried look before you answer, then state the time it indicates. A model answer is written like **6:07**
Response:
**12:12**
